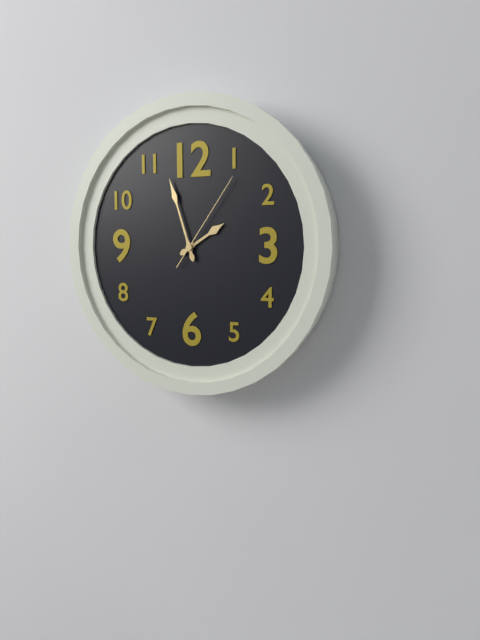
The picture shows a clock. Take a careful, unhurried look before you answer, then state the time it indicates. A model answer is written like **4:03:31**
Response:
**1:57:06**
